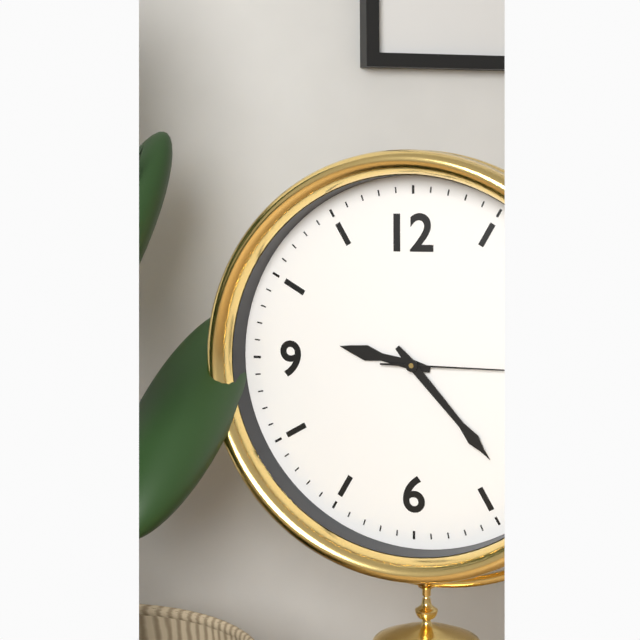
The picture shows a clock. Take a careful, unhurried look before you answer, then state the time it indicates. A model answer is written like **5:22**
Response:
**9:23**
